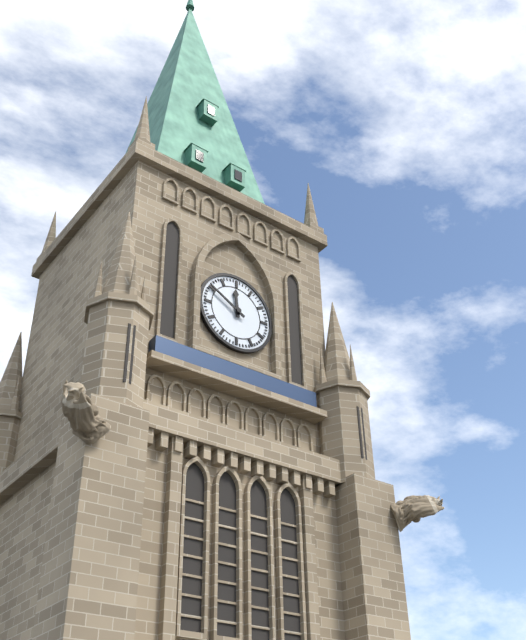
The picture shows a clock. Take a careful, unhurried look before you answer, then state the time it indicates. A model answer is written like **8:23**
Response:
**11:50**
